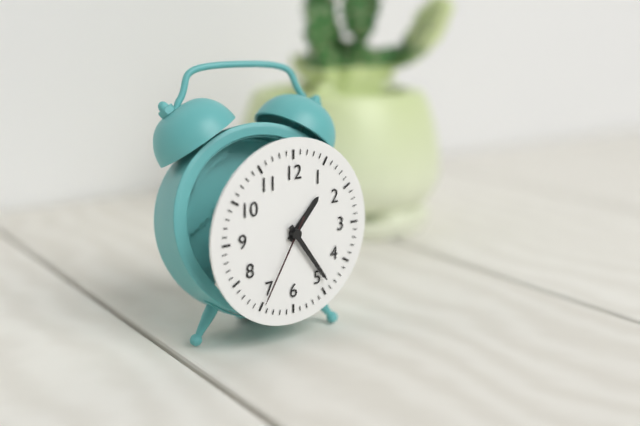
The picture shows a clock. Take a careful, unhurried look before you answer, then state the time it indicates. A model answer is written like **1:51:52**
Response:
**1:24:35**
